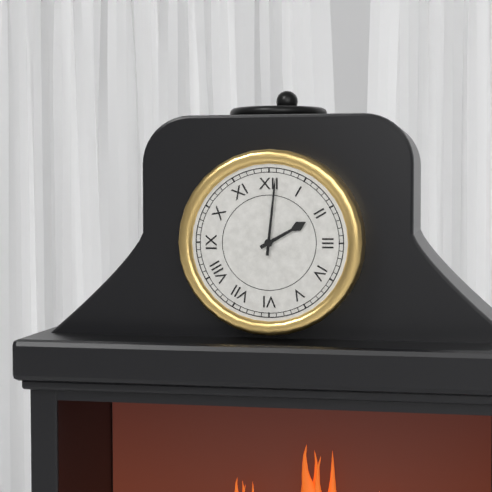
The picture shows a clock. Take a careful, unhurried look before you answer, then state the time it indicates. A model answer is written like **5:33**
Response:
**2:01**
